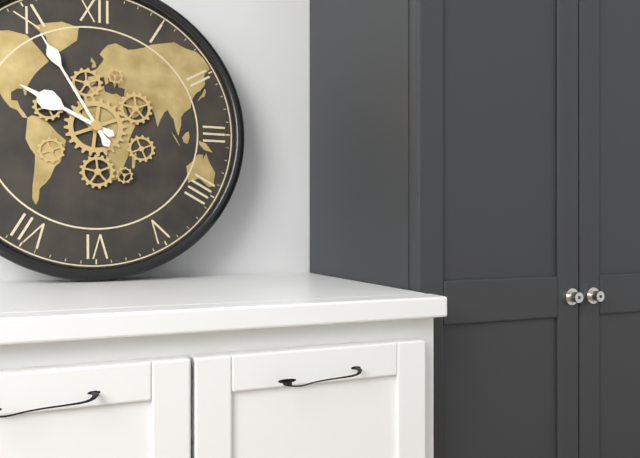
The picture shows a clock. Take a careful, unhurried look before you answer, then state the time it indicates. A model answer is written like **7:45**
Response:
**9:55**
